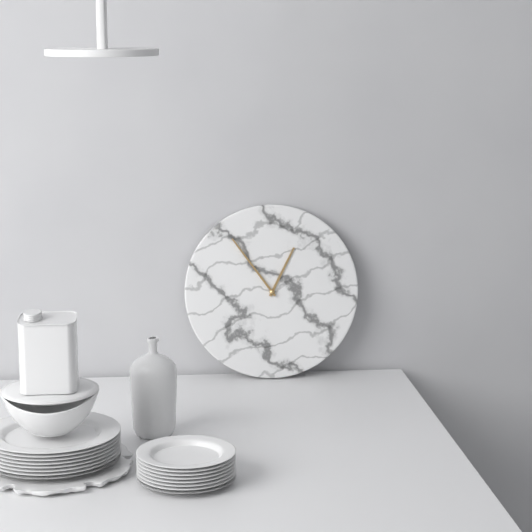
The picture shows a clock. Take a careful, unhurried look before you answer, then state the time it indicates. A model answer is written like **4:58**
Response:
**12:54**
